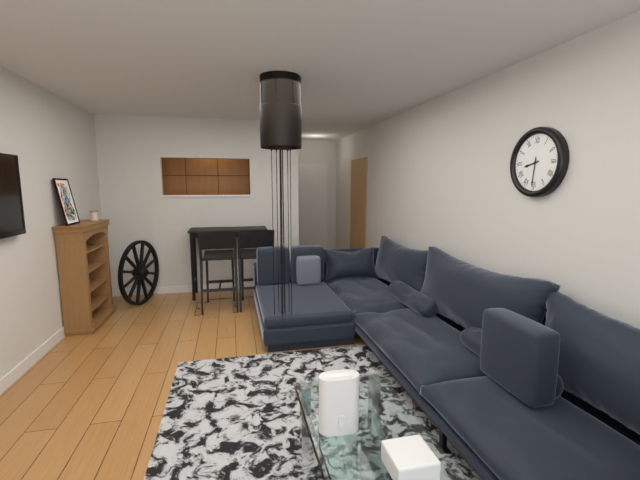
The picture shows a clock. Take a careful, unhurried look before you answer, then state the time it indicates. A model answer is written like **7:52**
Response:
**8:31**
